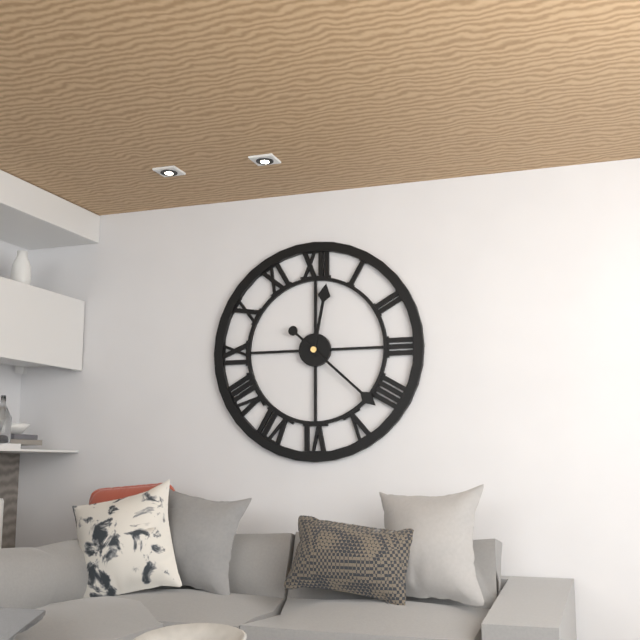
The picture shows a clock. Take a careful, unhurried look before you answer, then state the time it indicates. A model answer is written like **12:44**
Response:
**12:22**
